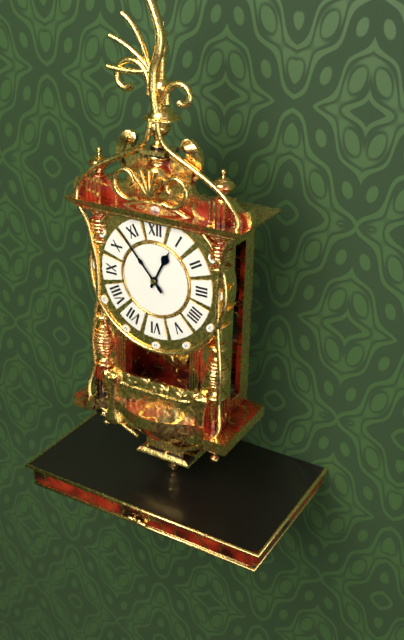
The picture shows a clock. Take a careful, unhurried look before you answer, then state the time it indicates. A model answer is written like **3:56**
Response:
**12:53**
